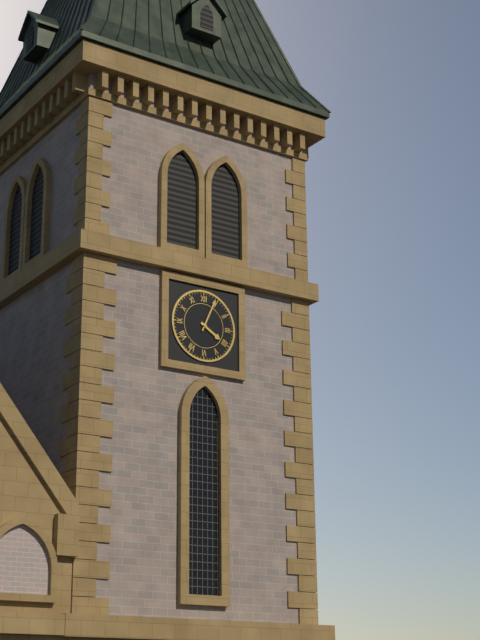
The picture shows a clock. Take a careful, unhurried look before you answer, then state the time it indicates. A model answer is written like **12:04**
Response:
**4:04**
